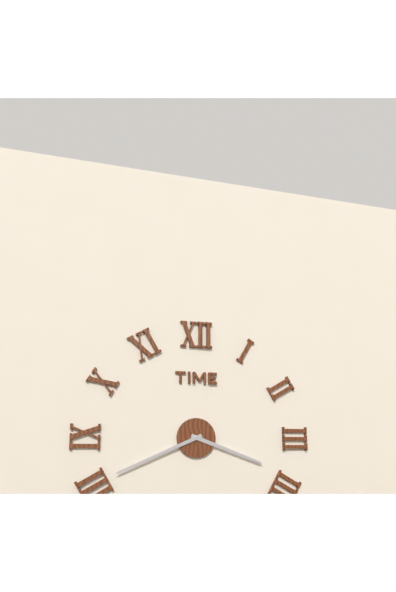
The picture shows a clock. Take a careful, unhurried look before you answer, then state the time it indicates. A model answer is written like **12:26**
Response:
**3:41**
